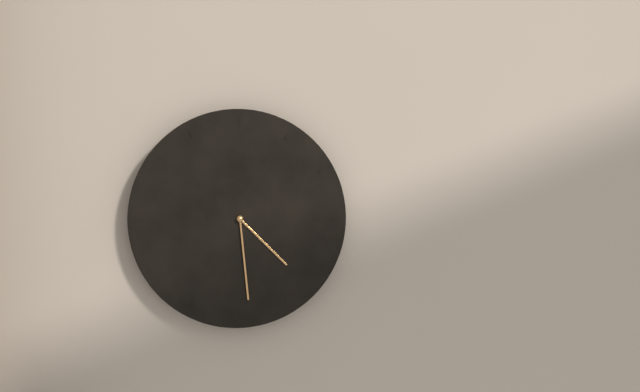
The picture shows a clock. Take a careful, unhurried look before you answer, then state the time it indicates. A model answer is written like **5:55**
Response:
**4:29**
